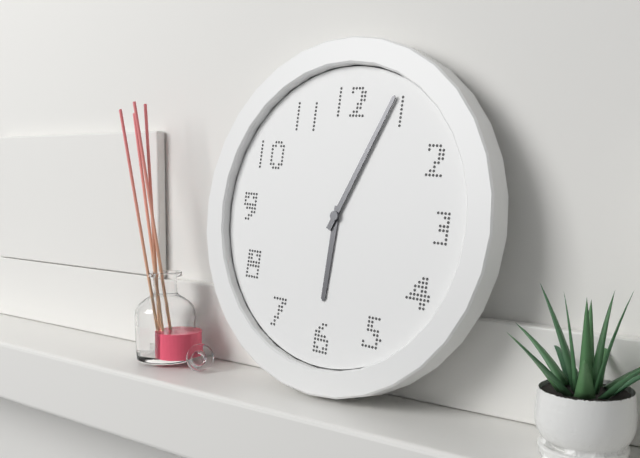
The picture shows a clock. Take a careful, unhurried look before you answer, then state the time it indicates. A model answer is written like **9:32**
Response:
**6:04**
